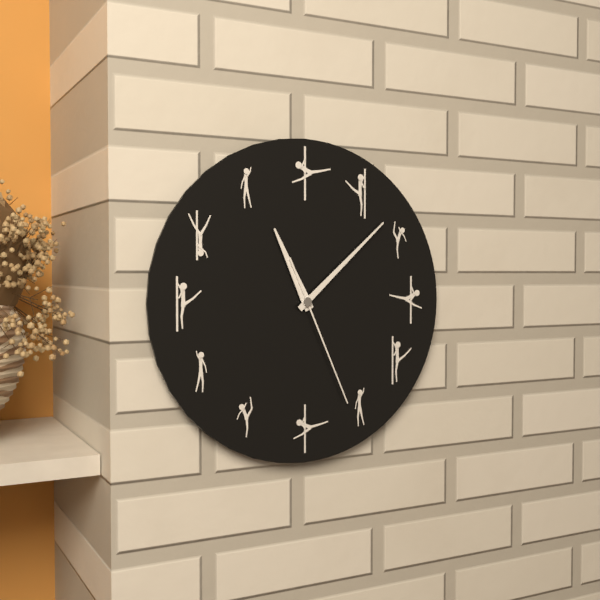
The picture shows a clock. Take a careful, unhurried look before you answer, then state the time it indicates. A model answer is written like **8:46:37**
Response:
**11:08:26**
